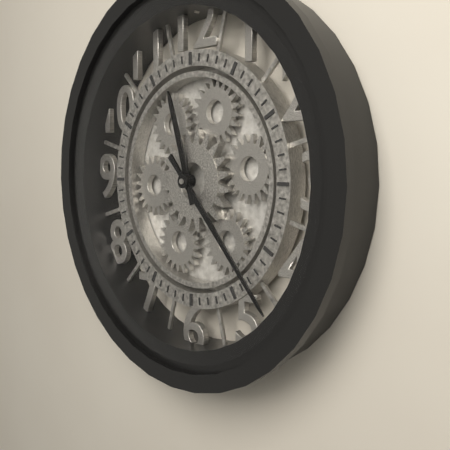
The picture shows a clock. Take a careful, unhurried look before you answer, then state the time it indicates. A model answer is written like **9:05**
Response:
**11:23**
